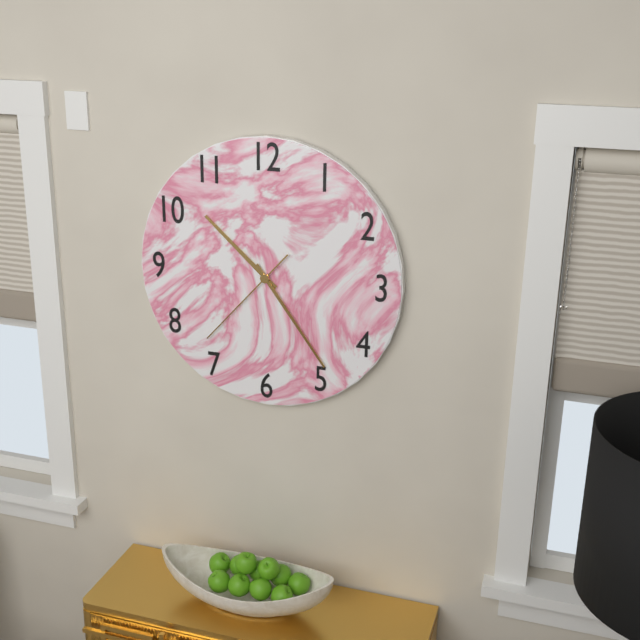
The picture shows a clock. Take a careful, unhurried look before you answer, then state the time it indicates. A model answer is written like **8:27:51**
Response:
**10:24:37**
